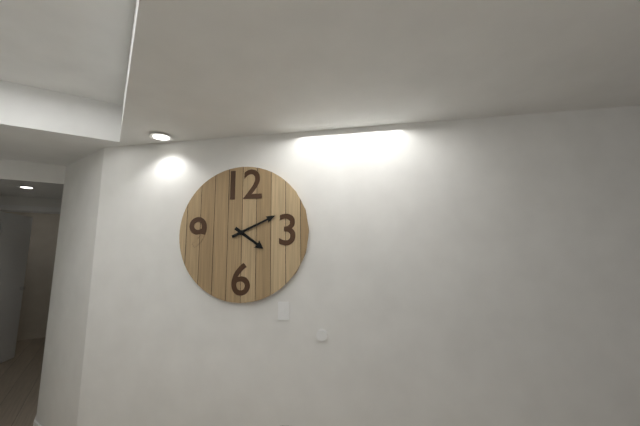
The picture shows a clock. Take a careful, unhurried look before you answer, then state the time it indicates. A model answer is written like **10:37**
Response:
**4:11**
